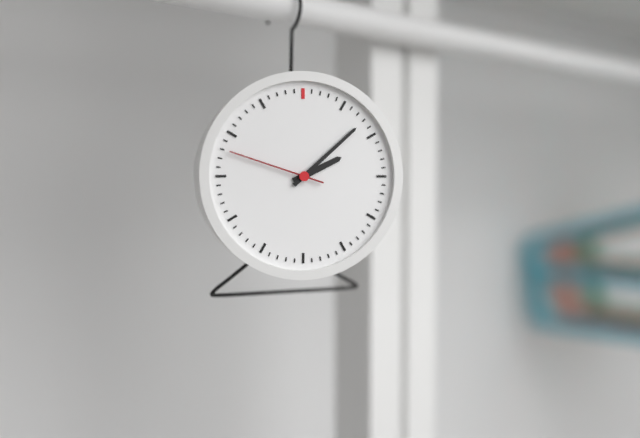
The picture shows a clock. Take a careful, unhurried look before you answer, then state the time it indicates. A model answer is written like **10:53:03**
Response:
**2:08:48**
